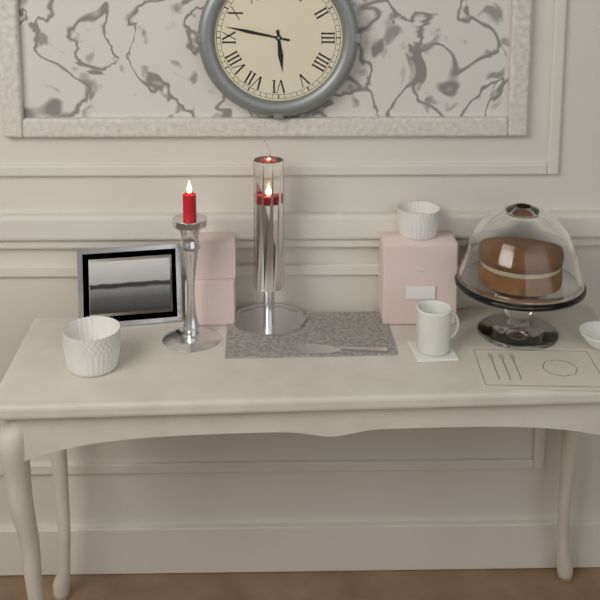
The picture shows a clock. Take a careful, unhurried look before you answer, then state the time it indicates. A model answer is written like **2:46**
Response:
**5:47**
